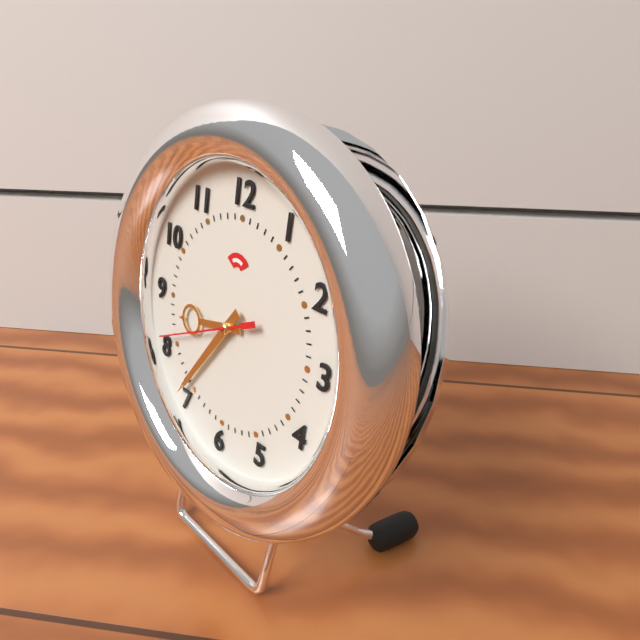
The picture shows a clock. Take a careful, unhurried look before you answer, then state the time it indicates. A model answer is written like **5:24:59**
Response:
**8:36:41**
